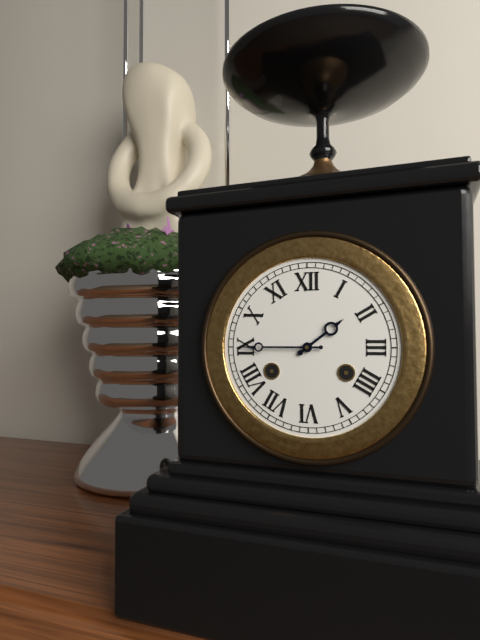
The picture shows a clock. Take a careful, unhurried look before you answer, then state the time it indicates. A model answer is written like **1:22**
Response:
**1:45**
